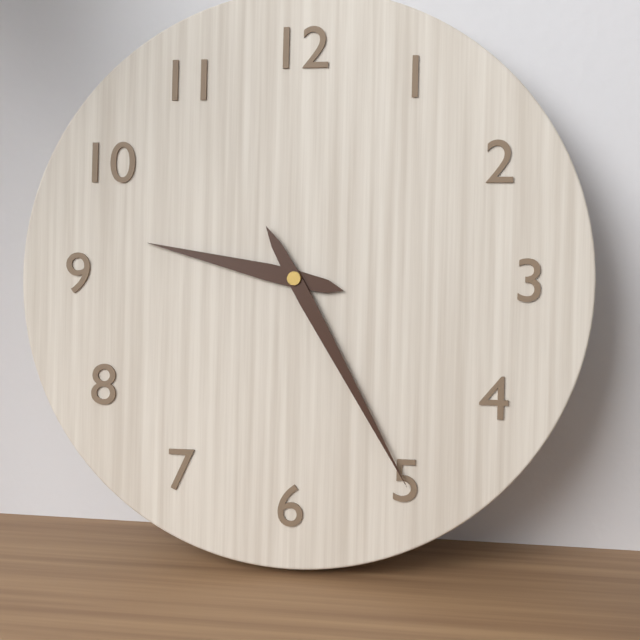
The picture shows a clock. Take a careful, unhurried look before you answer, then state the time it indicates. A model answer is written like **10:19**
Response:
**9:25**
